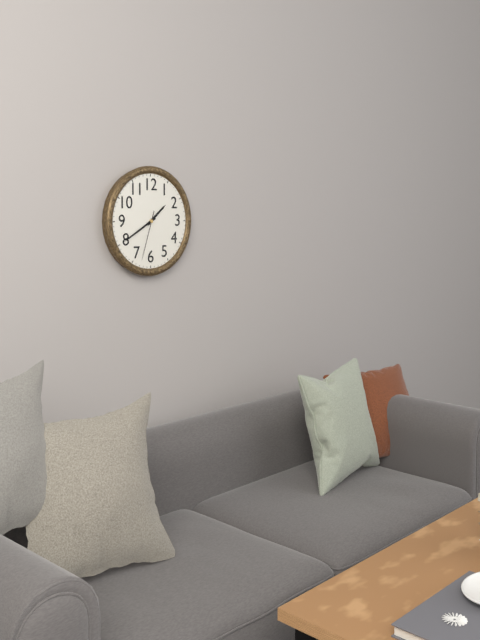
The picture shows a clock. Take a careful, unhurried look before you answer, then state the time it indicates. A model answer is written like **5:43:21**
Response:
**1:40:33**
